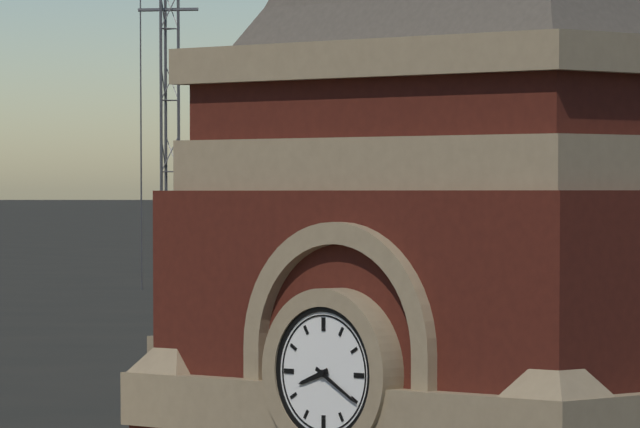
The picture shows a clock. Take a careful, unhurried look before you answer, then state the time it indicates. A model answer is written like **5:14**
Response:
**8:20**
